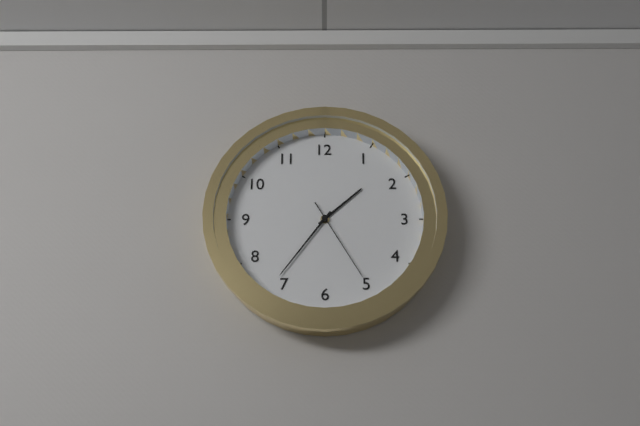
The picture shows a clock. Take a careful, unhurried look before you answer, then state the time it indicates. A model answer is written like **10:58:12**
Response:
**1:36:25**
